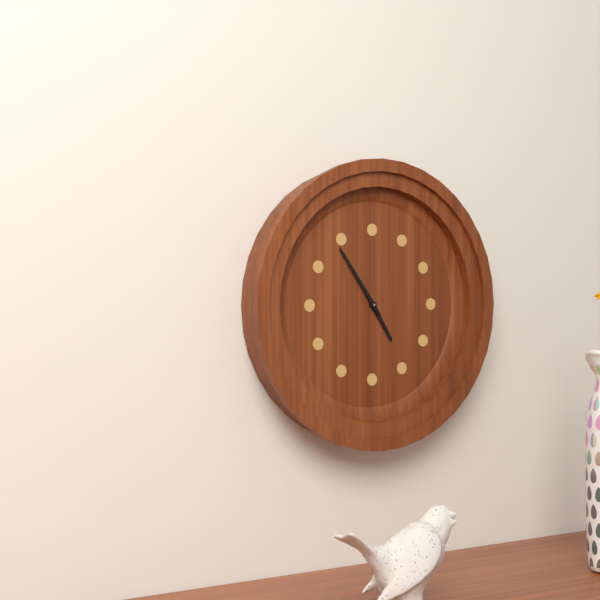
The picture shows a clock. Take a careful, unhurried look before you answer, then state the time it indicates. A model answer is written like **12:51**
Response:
**4:54**
